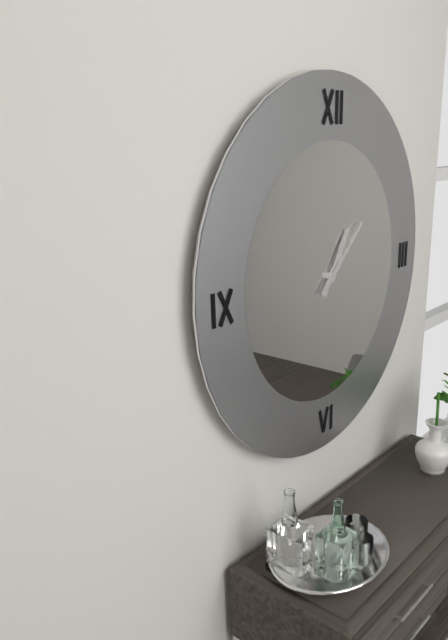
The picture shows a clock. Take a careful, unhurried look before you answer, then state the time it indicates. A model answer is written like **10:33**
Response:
**1:08**
